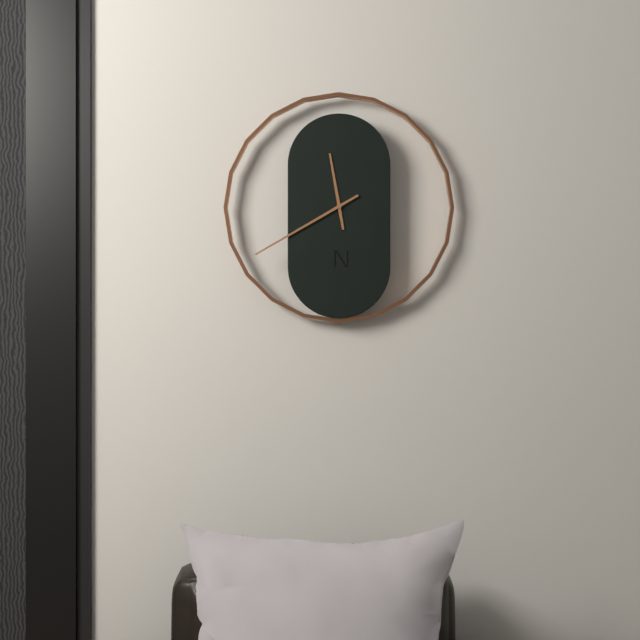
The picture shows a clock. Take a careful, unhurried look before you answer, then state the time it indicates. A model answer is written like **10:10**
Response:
**11:40**
